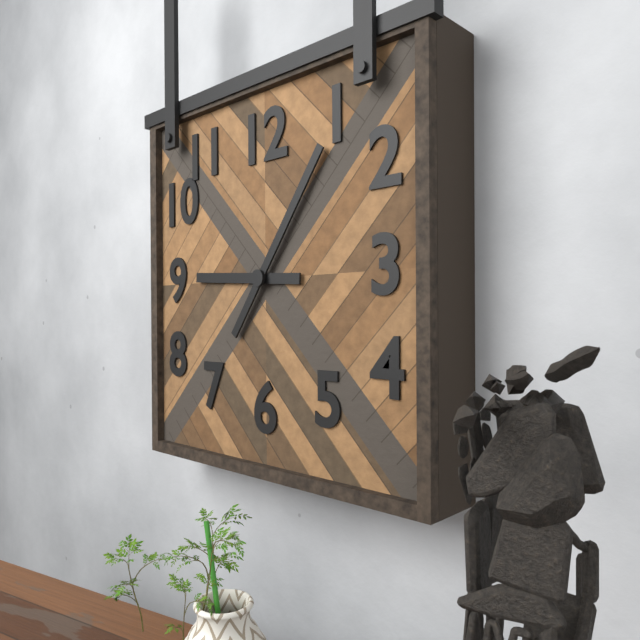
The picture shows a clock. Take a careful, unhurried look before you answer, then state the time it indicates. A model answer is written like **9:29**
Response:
**9:06**
